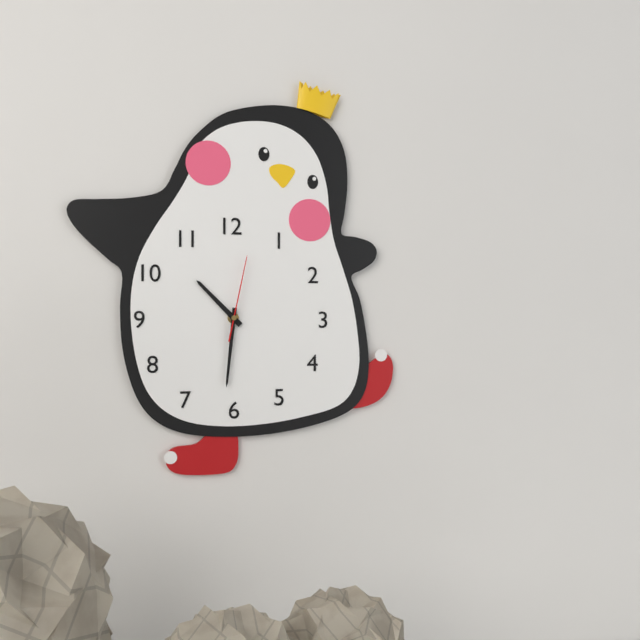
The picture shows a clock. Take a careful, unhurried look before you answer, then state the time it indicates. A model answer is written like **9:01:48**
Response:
**10:31:02**
